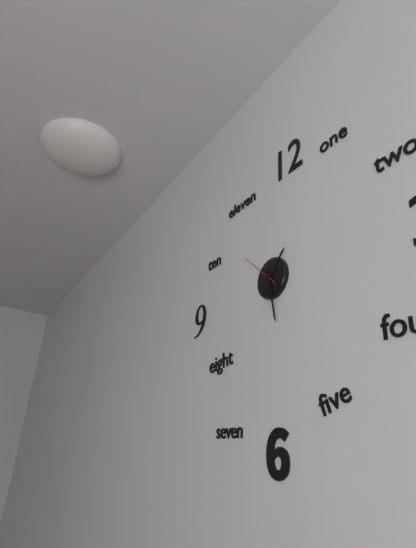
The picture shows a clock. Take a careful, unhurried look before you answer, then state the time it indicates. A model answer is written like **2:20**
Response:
**1:28**
